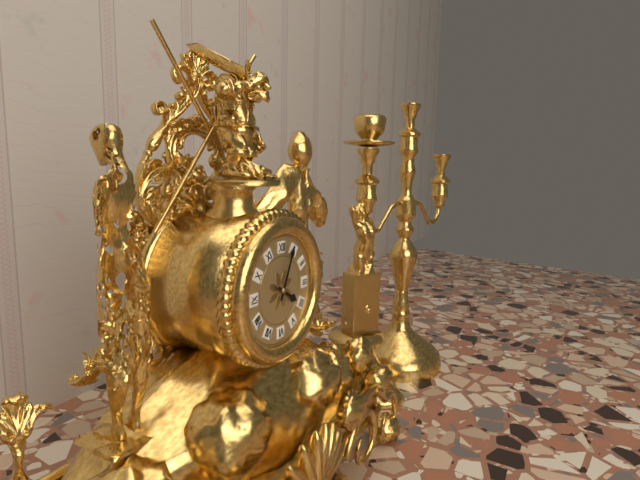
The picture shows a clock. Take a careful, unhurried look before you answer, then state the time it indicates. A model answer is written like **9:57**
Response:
**4:04**
